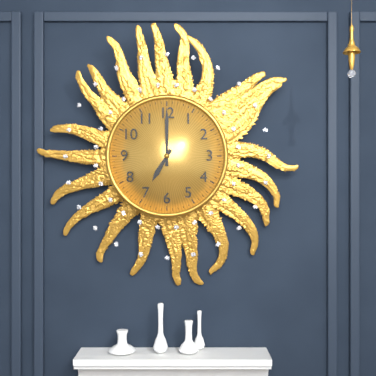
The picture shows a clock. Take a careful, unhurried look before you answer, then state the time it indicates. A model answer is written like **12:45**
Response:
**7:00**
